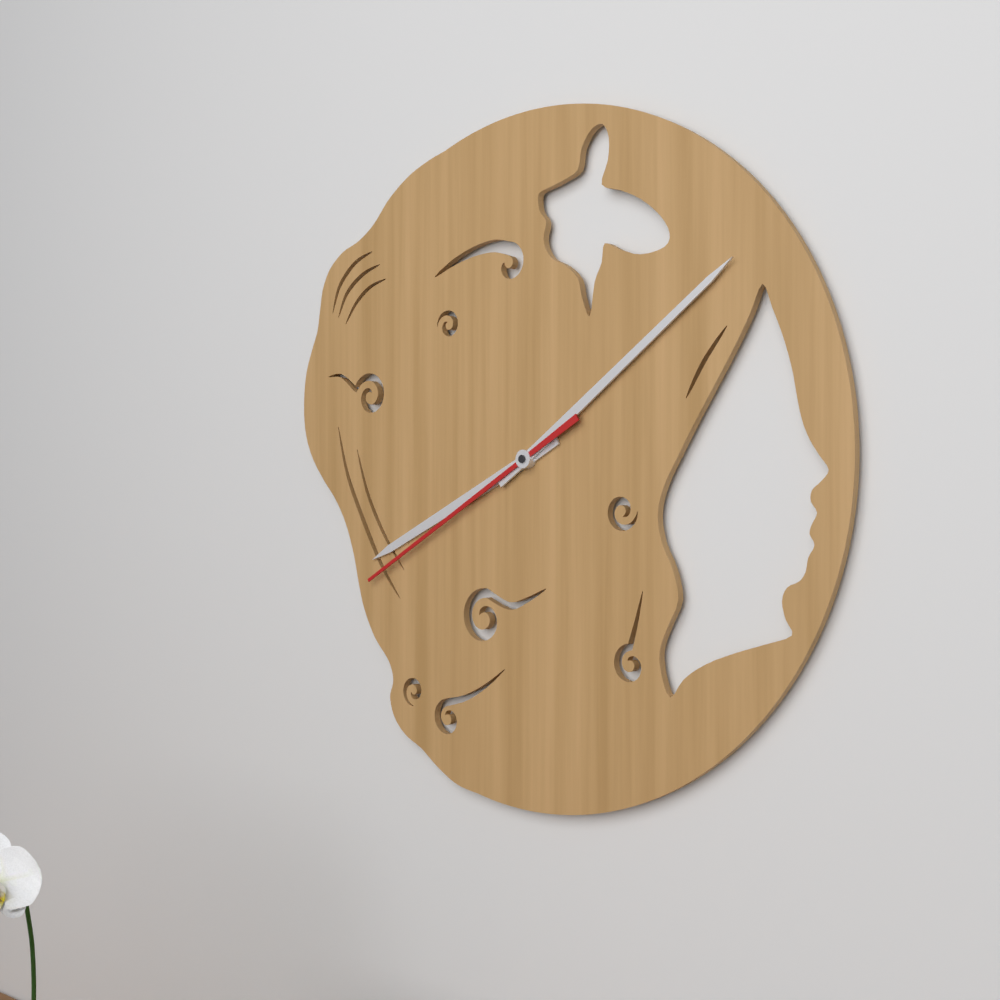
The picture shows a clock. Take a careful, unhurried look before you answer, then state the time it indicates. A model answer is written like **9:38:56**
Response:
**8:09:40**
